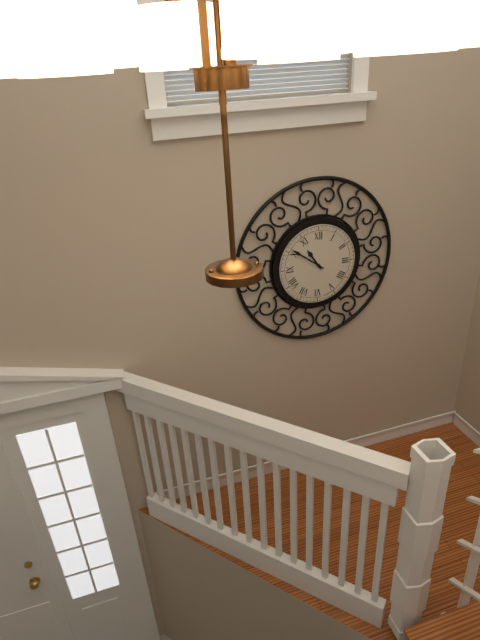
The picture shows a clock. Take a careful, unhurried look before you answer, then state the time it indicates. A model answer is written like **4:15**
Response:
**10:51**
